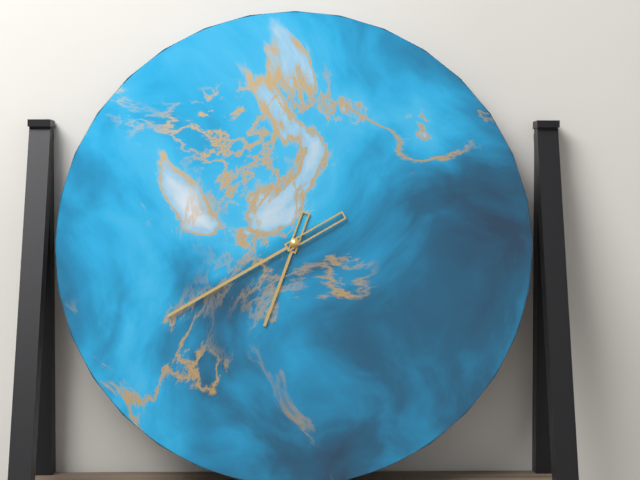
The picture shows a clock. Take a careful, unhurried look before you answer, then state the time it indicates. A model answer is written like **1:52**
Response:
**6:40**
